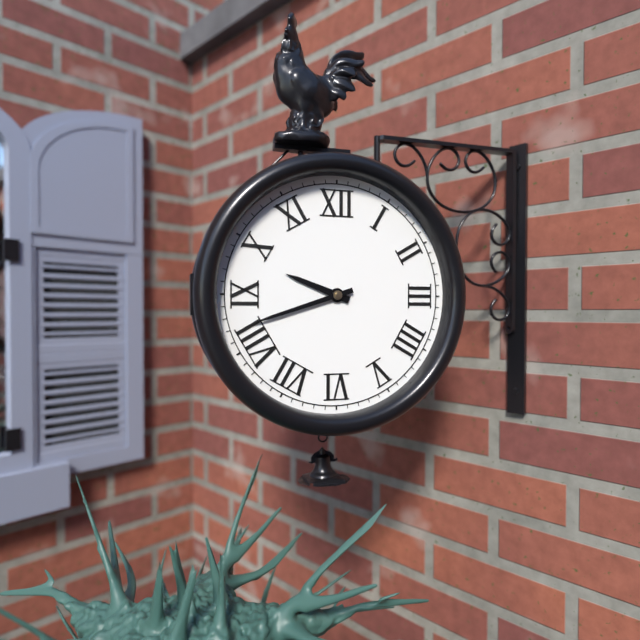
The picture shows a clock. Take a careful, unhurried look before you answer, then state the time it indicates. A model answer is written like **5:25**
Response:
**9:42**
